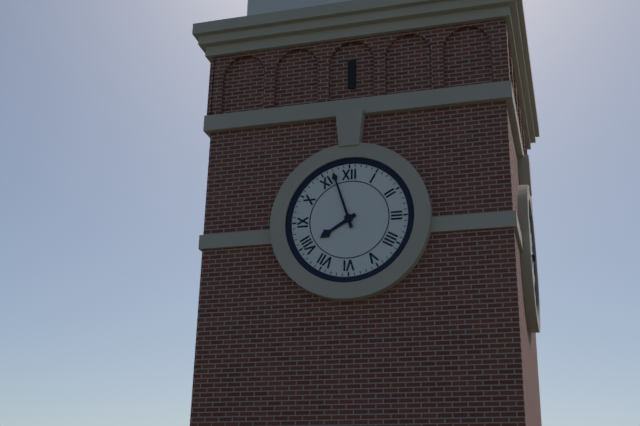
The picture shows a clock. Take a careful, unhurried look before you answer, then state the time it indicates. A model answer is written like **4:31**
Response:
**7:57**
